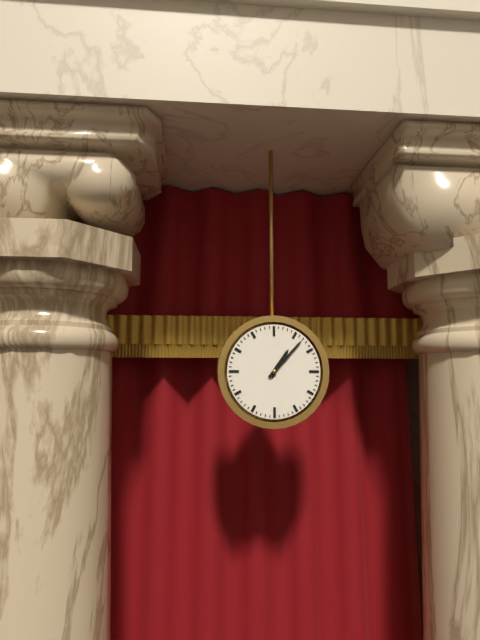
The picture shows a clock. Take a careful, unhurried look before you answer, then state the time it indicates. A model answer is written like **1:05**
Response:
**1:07**
